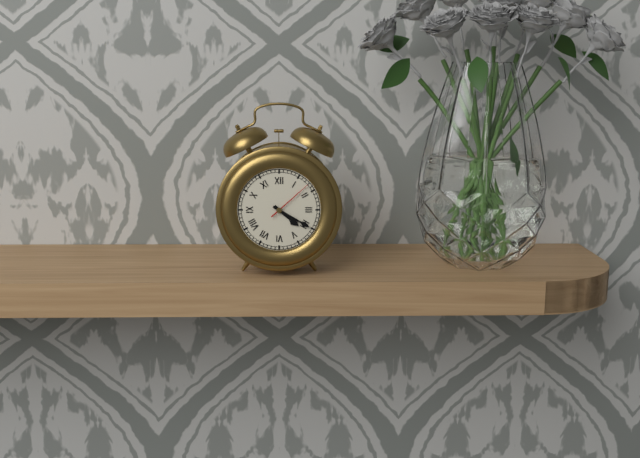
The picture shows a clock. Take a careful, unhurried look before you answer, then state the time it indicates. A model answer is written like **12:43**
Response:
**4:20**
